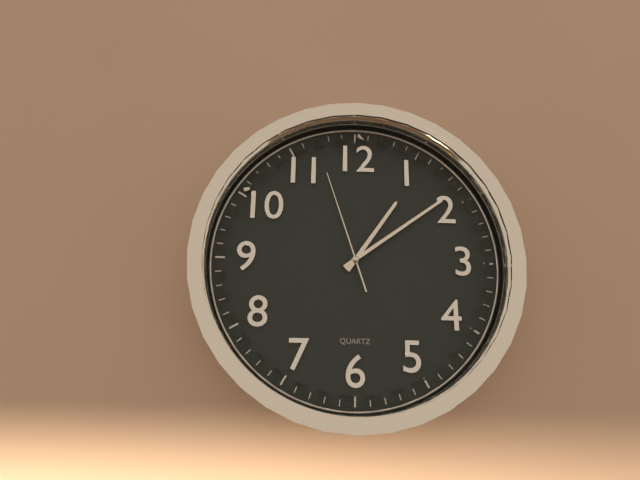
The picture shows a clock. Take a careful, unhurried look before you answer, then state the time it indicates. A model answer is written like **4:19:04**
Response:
**1:09:57**
